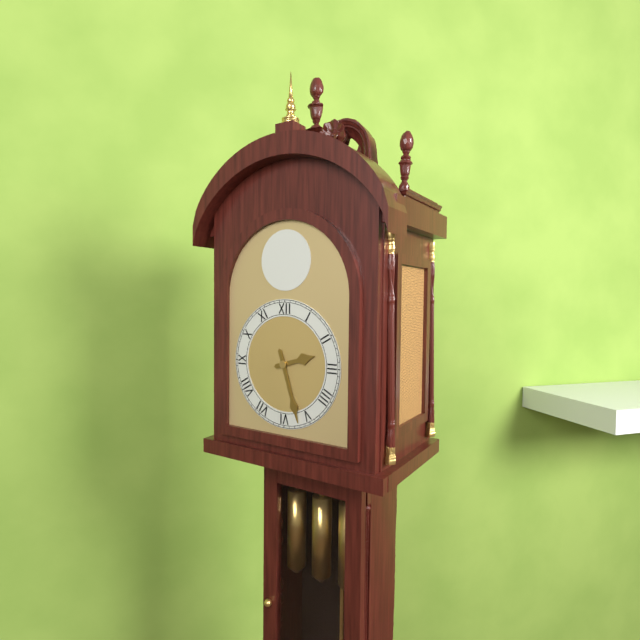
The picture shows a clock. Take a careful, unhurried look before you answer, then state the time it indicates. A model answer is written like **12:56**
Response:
**2:27**
